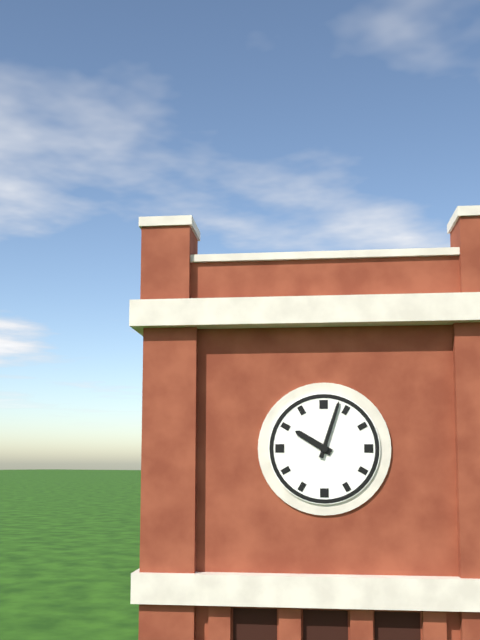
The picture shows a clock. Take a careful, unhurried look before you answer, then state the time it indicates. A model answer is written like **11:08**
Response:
**10:03**
